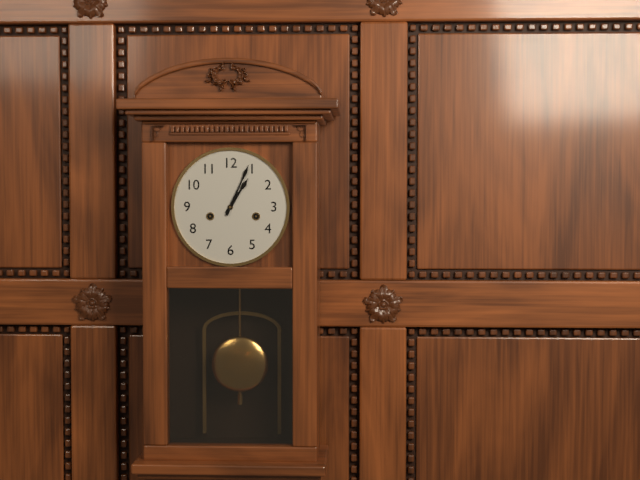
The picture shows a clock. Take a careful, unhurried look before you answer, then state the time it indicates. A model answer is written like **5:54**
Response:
**1:04**
